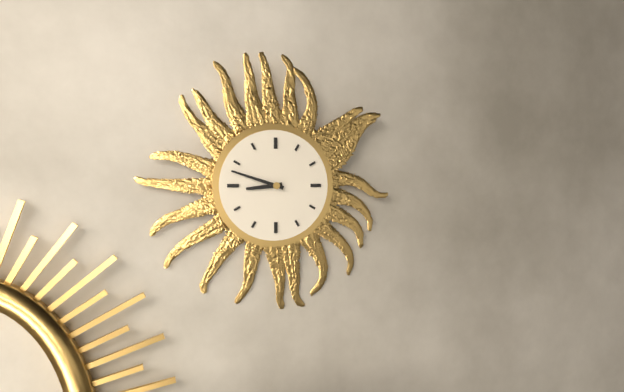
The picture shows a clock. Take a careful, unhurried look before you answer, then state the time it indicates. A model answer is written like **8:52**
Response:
**8:48**
